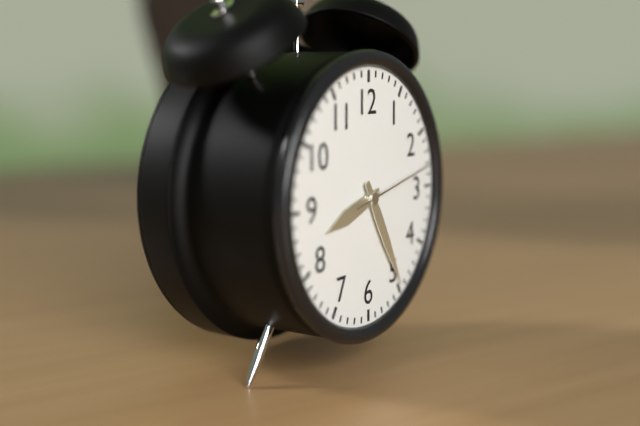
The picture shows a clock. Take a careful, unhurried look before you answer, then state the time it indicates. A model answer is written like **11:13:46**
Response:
**8:25:13**
